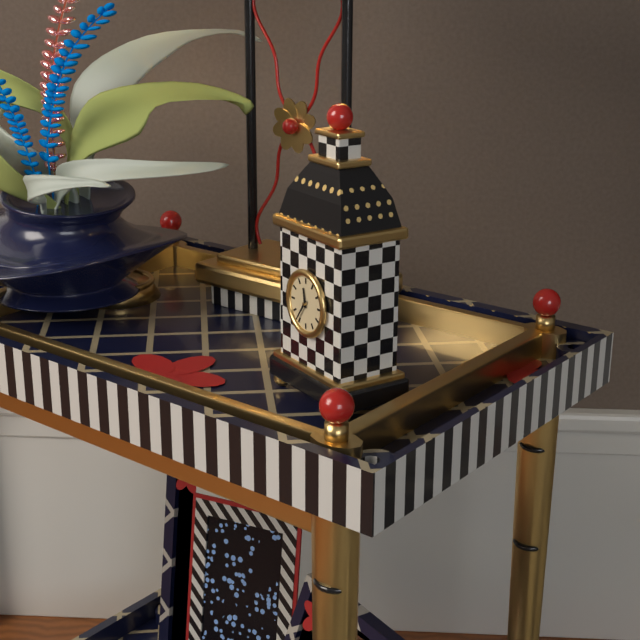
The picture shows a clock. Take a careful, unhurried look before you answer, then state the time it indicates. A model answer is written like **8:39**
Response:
**11:36**
